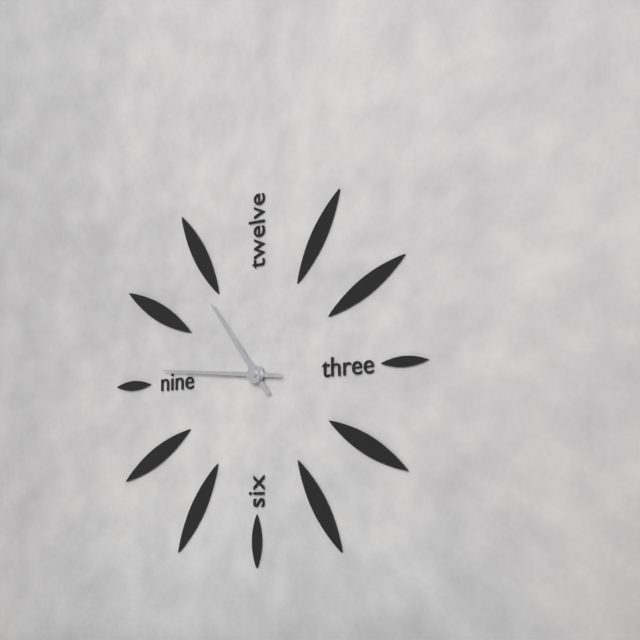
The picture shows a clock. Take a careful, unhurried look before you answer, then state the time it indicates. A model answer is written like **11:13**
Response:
**10:46**
